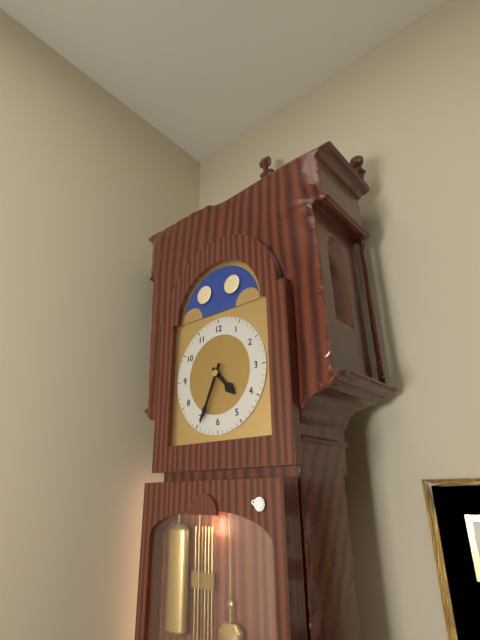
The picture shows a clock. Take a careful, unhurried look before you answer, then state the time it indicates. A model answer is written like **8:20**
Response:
**4:34**
